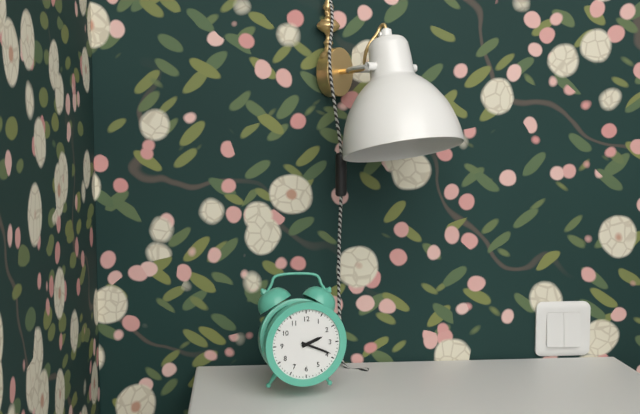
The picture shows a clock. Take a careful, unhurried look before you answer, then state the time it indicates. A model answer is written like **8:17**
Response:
**2:19**
